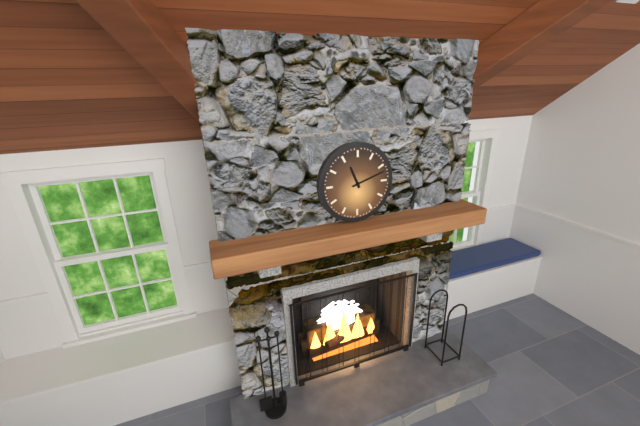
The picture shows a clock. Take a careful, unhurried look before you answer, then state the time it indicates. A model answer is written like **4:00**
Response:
**11:12**
